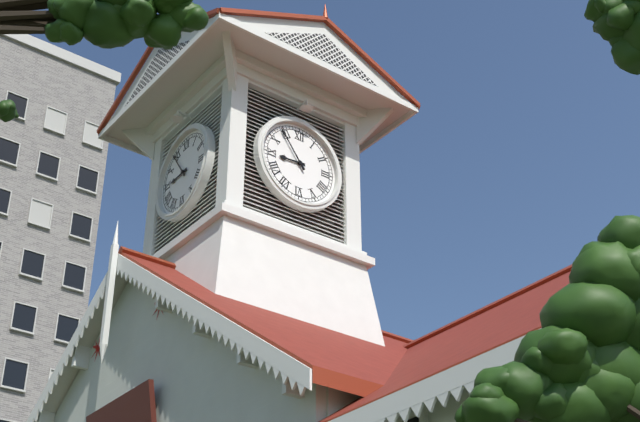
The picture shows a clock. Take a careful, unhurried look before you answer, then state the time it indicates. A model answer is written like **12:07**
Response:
**8:54**
